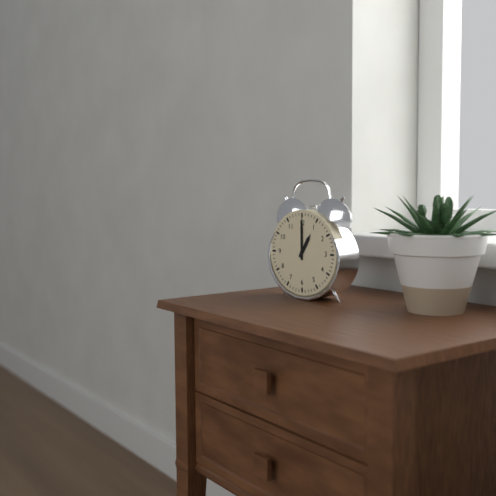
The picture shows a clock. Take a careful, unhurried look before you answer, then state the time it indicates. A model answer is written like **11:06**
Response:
**1:00**
